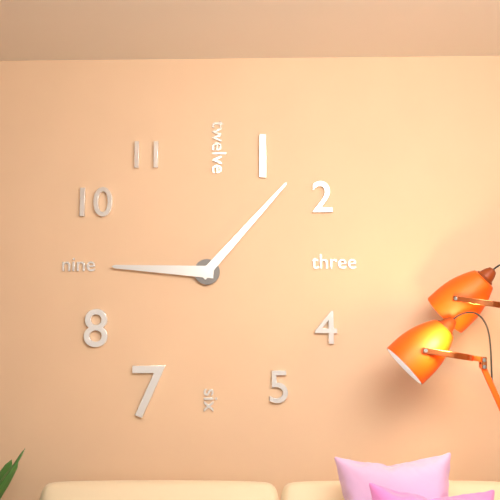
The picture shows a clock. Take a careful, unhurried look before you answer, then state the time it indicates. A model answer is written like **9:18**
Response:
**9:07**
